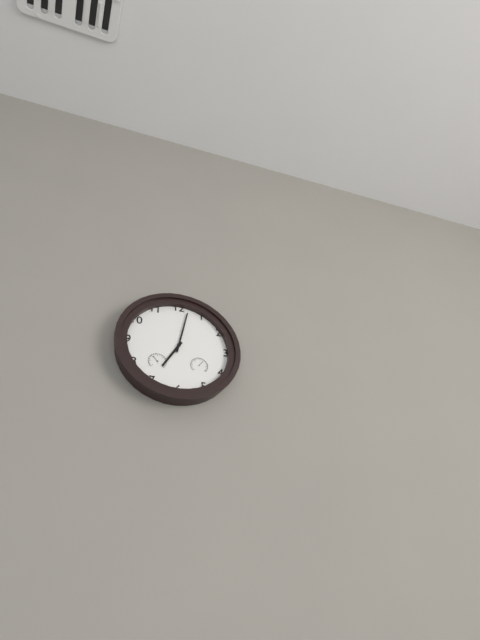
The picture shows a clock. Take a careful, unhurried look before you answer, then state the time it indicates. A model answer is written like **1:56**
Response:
**7:02**
